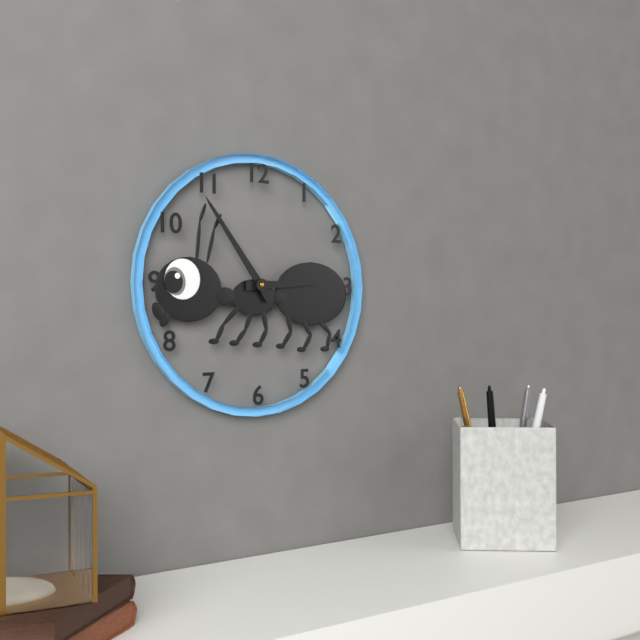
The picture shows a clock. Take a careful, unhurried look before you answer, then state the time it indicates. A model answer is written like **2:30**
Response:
**2:54**
